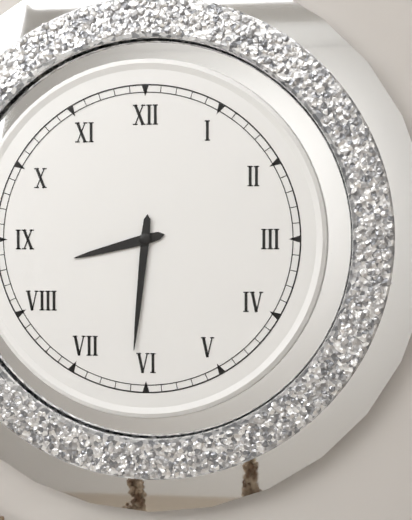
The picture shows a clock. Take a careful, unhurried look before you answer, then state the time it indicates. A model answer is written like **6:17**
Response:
**8:31**
